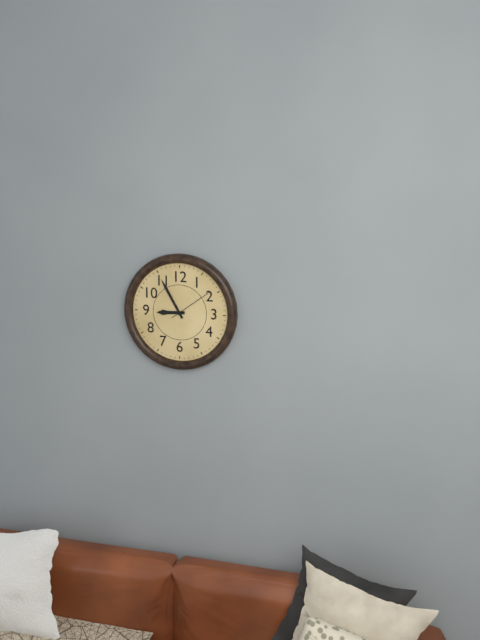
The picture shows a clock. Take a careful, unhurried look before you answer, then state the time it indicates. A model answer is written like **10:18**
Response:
**8:55**
